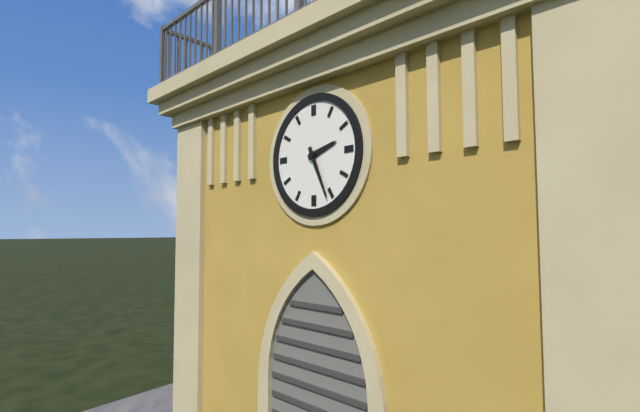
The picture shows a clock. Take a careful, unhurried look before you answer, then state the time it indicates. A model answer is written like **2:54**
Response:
**2:26**
